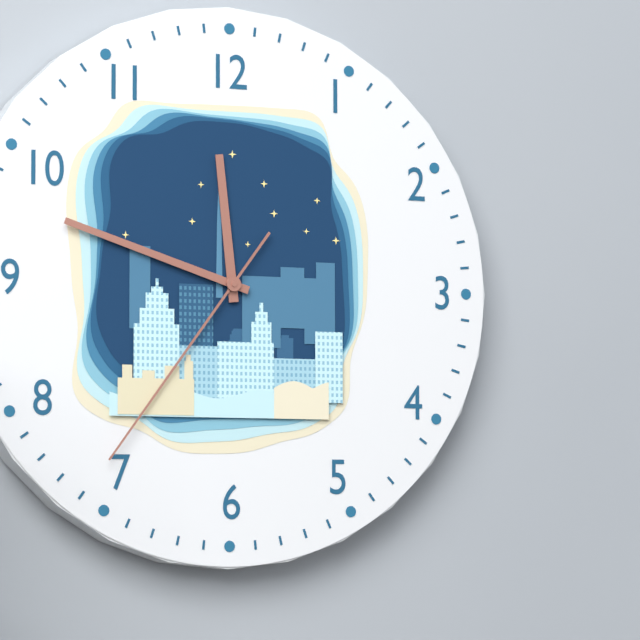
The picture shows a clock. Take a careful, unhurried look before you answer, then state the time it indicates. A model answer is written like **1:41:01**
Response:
**11:48:36**
